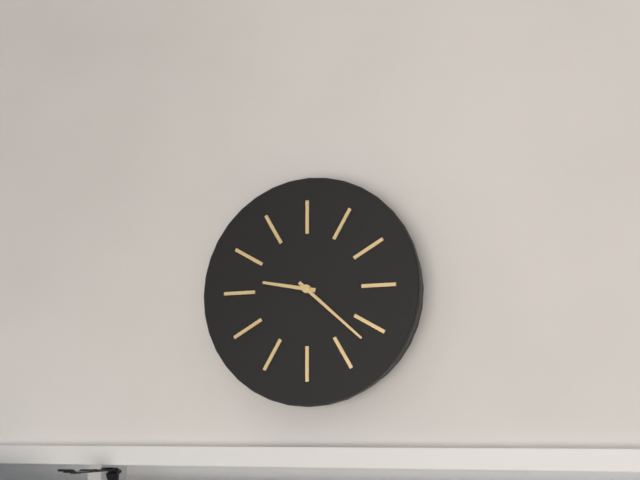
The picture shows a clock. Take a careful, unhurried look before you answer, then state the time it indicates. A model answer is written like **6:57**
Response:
**9:22**
